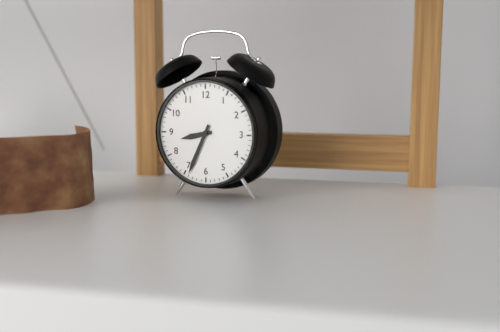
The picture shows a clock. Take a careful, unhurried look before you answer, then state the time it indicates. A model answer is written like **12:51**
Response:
**8:34**
